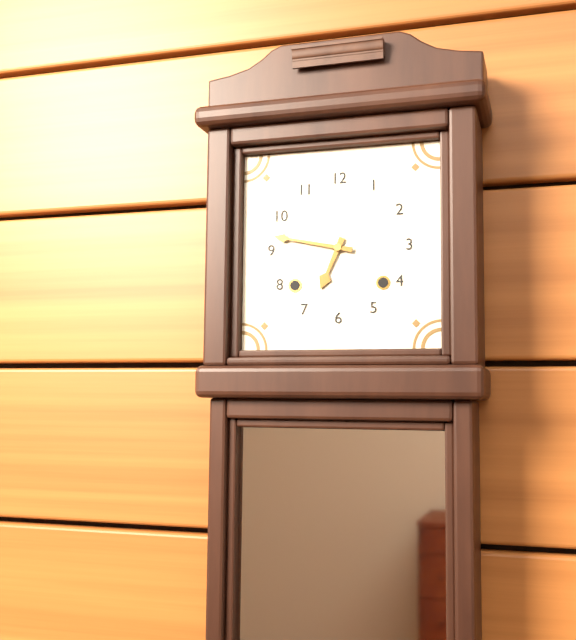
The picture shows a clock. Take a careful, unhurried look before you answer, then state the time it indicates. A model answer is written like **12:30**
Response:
**6:47**
